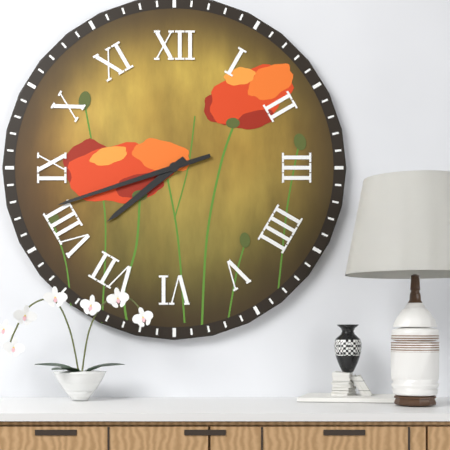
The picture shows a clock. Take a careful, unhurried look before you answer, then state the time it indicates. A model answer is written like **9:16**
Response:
**7:42**
